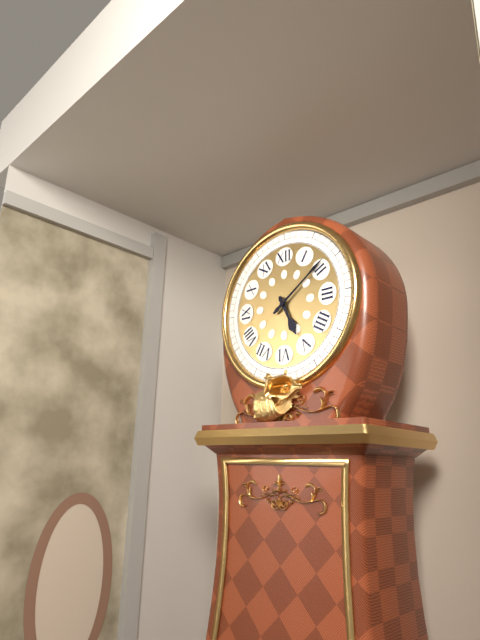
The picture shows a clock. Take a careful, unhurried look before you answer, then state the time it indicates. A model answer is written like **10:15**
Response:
**5:09**
